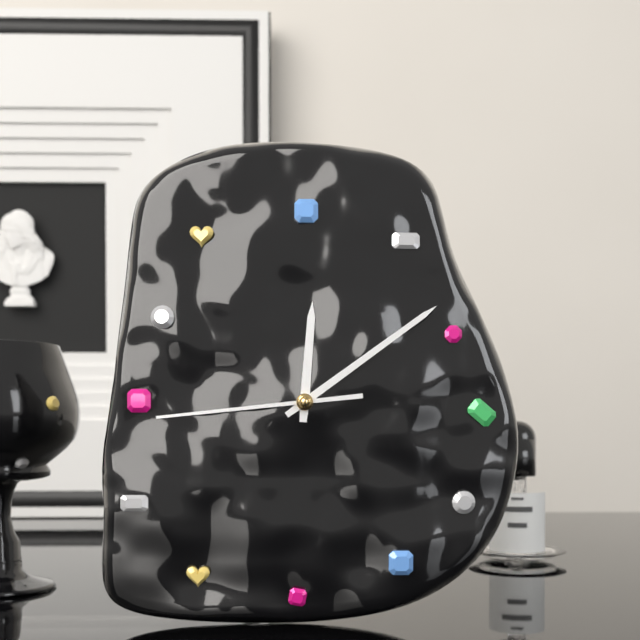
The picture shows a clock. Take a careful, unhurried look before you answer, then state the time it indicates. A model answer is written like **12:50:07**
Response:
**12:09:44**
